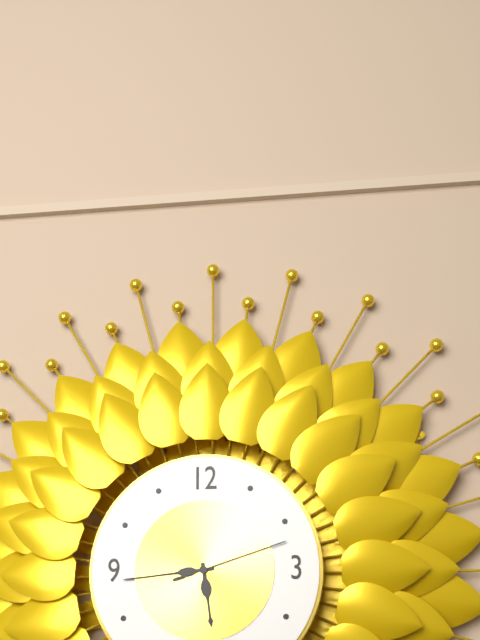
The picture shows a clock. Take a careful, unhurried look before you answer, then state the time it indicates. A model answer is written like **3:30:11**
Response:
**5:44:12**
